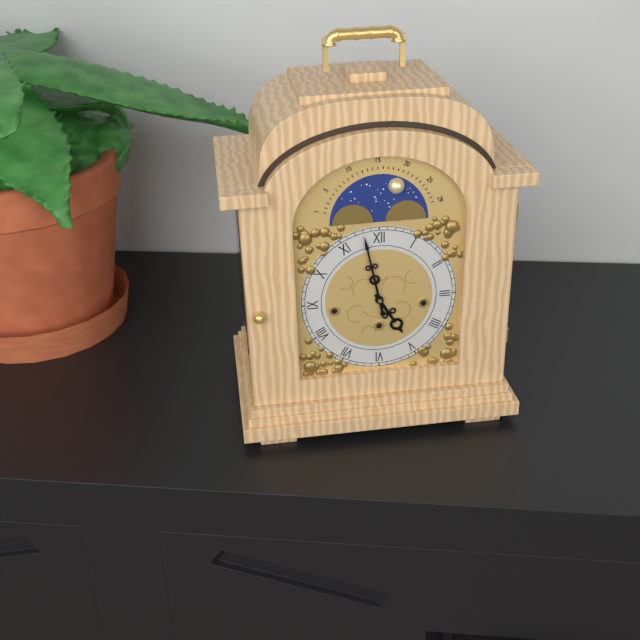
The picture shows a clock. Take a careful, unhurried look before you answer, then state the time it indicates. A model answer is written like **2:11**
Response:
**4:58**
